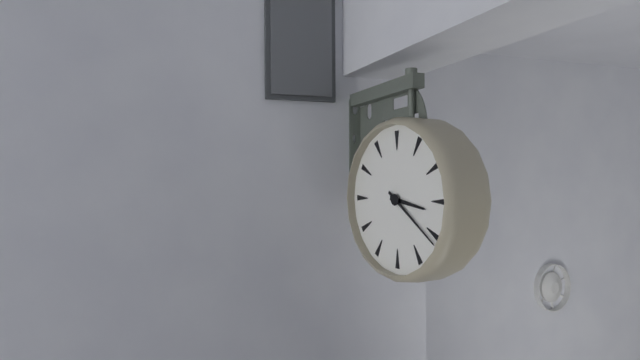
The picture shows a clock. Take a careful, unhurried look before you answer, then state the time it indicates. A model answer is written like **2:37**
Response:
**3:21**
